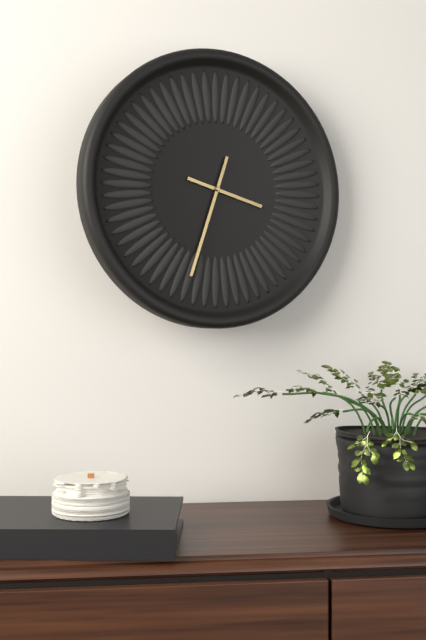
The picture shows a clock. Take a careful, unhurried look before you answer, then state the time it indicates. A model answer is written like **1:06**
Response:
**3:33**
